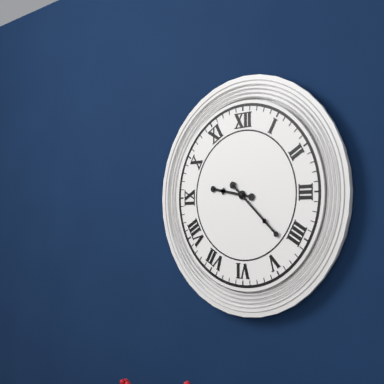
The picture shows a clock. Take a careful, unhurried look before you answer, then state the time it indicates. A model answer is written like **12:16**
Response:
**9:22**
